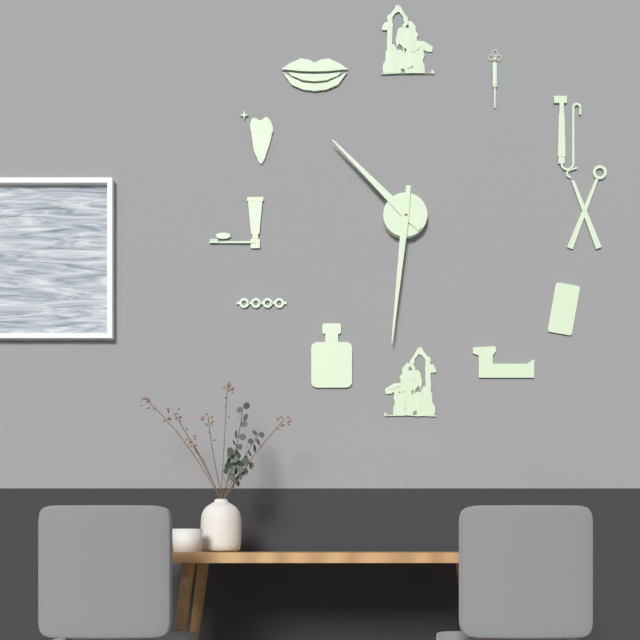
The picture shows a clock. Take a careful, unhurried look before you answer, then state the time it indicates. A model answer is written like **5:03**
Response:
**10:31**
